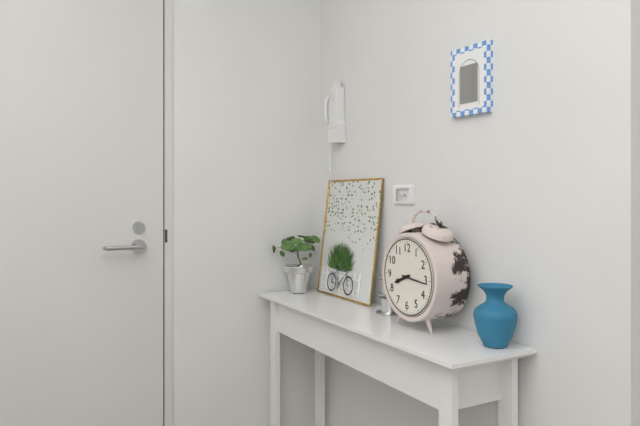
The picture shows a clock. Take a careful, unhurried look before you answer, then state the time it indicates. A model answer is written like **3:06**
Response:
**8:16**
